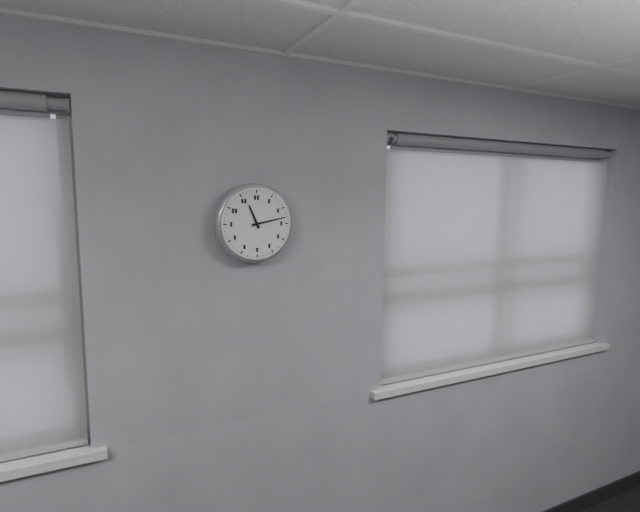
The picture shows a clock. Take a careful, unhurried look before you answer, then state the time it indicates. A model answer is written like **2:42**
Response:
**11:13**
